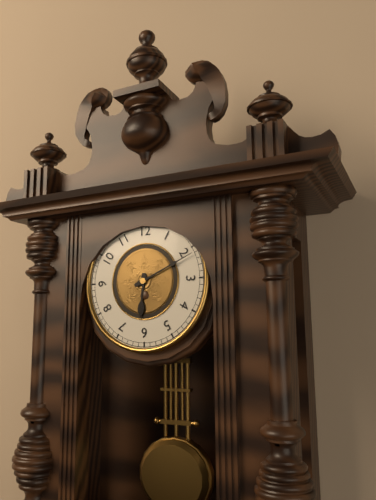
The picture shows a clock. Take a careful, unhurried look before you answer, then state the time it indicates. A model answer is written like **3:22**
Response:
**6:11**
